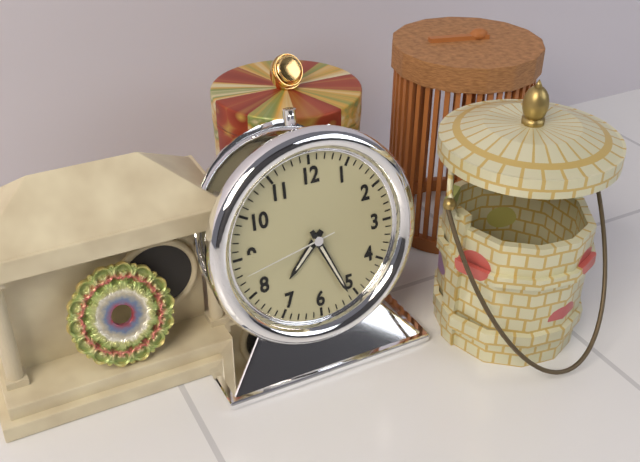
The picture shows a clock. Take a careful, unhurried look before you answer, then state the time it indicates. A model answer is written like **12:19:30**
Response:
**7:26:43**
